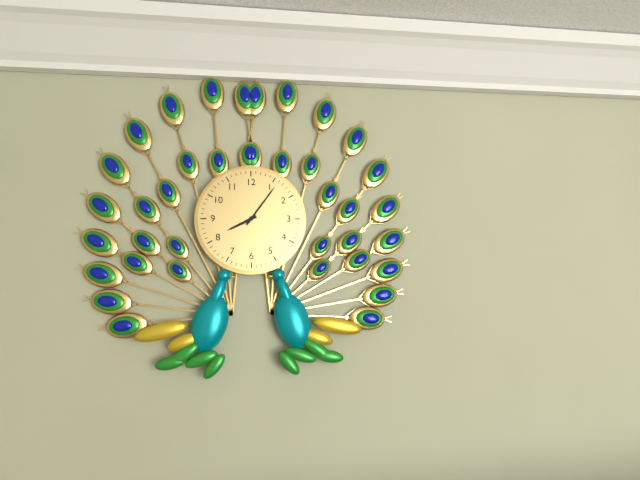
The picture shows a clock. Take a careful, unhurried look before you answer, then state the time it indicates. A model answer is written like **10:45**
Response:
**8:06**
